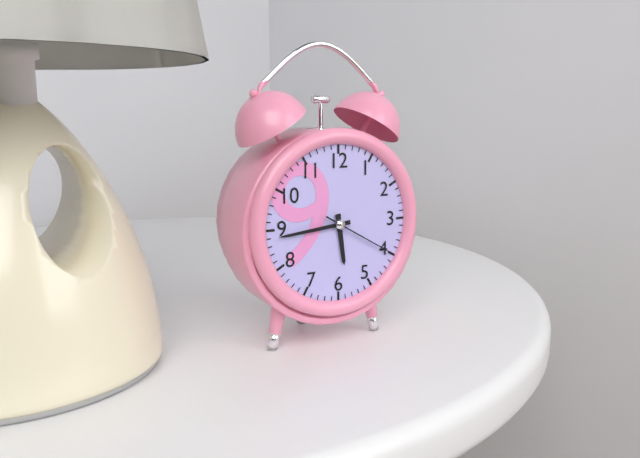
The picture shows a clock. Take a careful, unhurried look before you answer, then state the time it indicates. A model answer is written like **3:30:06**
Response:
**5:44:20**
